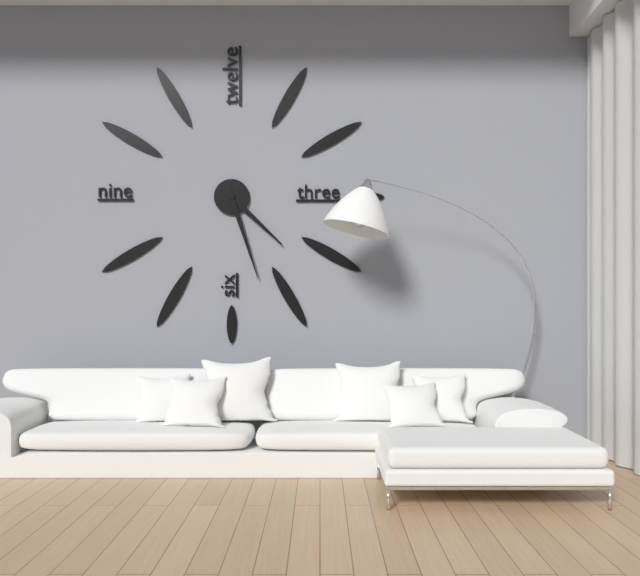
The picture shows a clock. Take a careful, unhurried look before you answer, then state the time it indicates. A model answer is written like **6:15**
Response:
**4:27**
